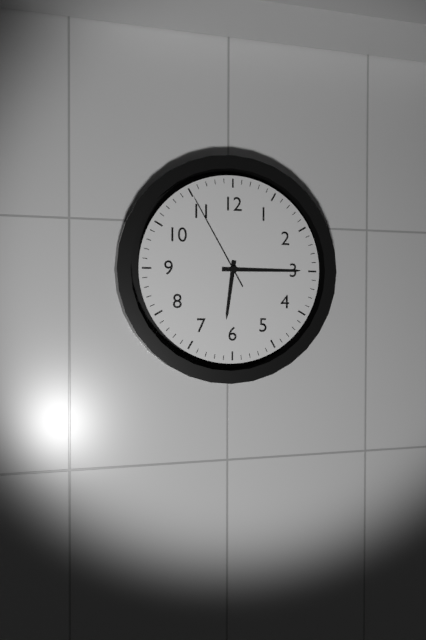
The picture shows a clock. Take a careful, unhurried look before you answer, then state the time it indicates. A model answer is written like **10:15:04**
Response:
**6:15:55**
